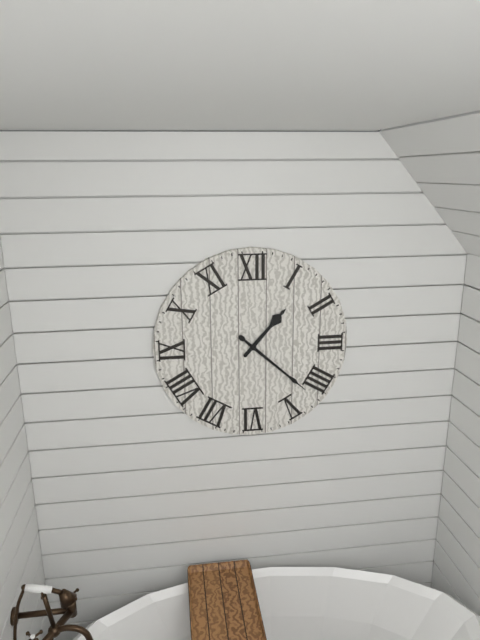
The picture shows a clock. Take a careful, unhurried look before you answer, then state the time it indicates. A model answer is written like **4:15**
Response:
**1:22**
